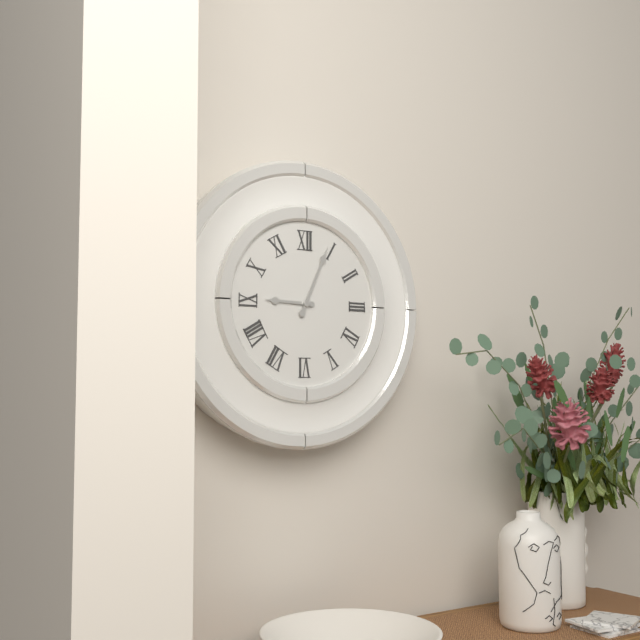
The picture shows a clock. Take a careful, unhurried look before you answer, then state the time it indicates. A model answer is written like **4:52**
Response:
**9:04**
